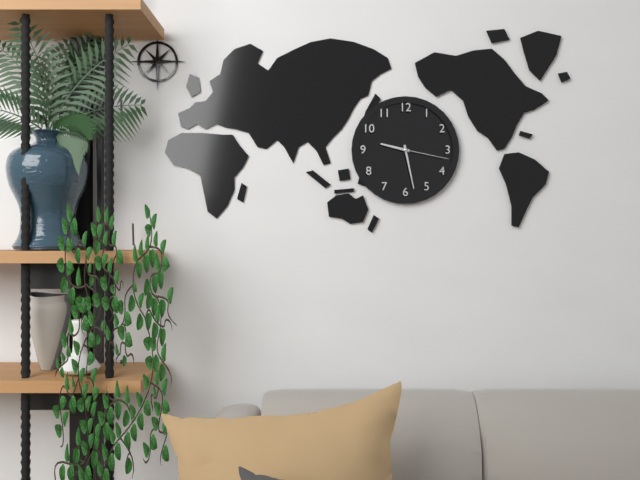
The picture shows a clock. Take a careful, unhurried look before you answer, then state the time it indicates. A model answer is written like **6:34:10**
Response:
**9:28:17**
